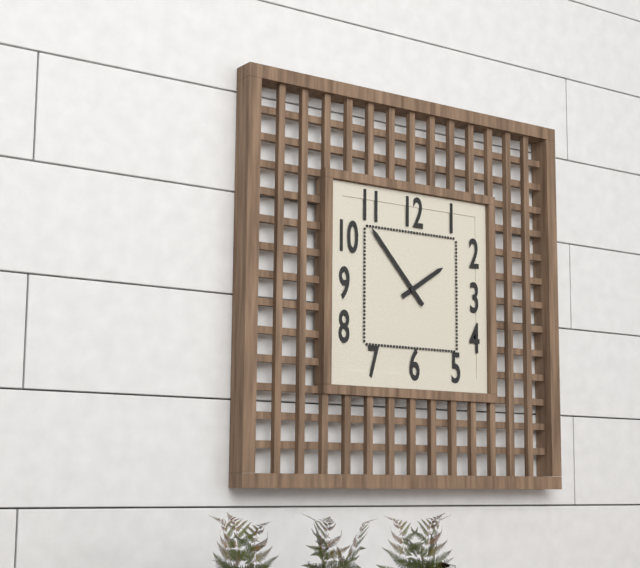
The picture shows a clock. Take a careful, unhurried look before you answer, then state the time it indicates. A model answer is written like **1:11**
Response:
**1:53**
